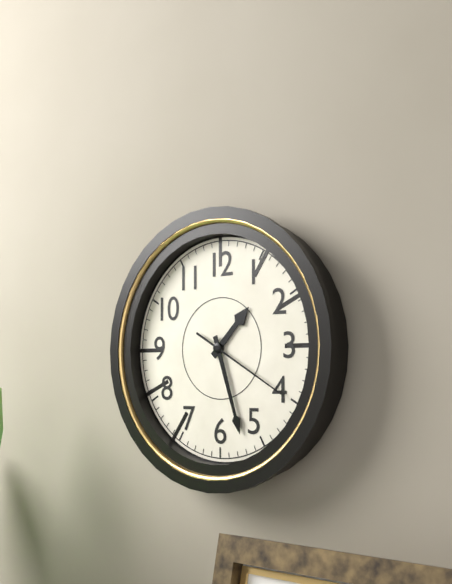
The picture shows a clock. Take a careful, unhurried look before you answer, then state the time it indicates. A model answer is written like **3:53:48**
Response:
**1:27:20**
